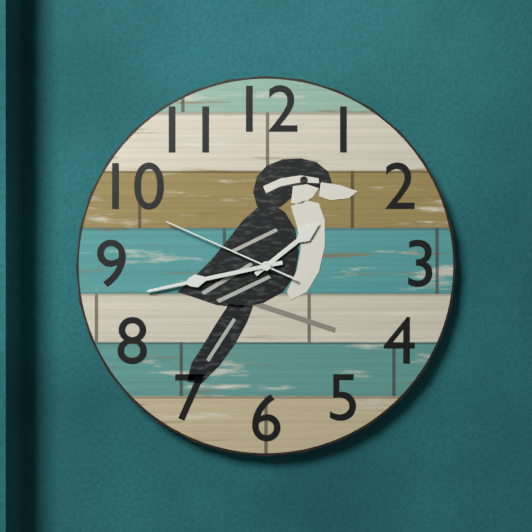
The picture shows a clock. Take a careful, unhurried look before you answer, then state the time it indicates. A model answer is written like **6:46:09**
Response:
**1:43:49**
